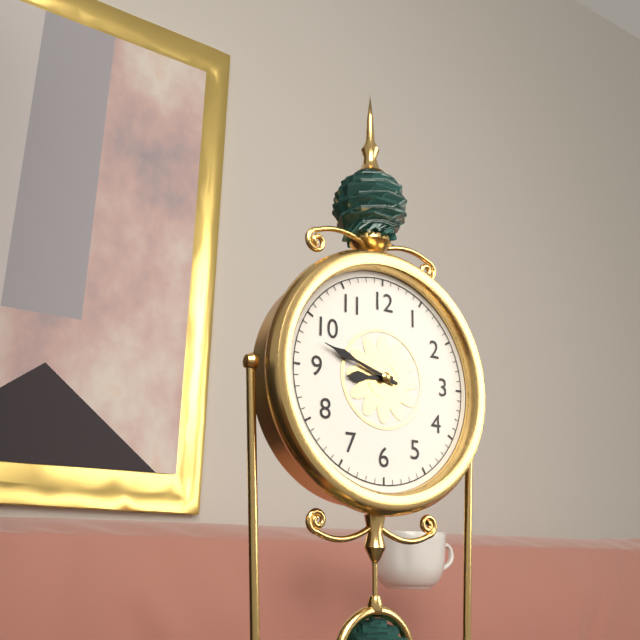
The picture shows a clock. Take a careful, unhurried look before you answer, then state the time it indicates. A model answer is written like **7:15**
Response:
**8:48**
